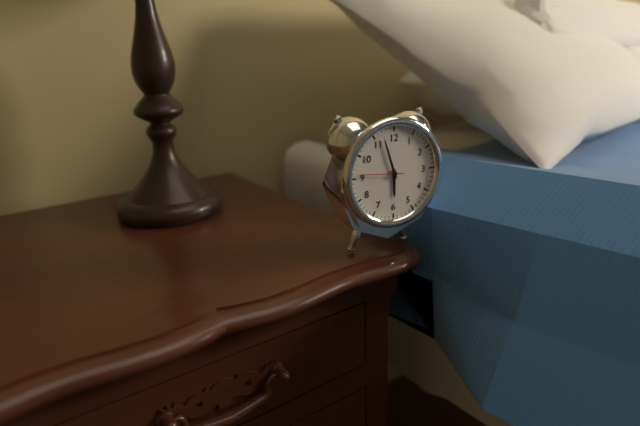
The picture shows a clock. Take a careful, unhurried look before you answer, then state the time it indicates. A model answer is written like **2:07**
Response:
**5:57**
